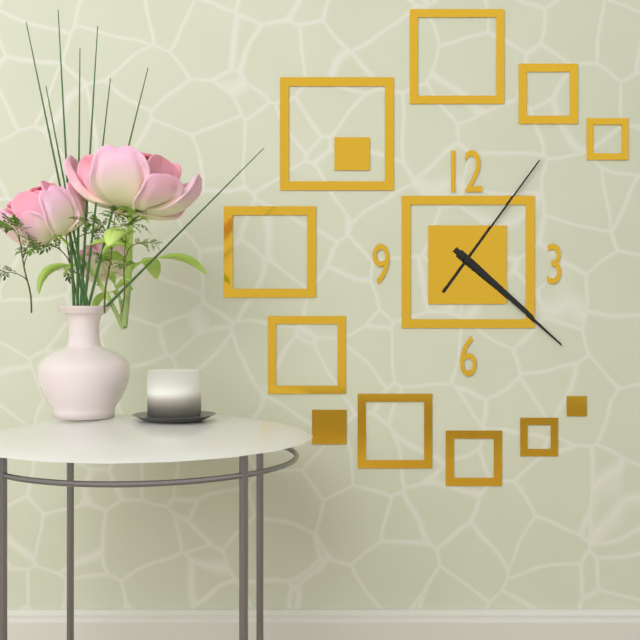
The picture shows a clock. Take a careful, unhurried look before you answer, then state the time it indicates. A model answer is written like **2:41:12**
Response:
**4:22:06**
